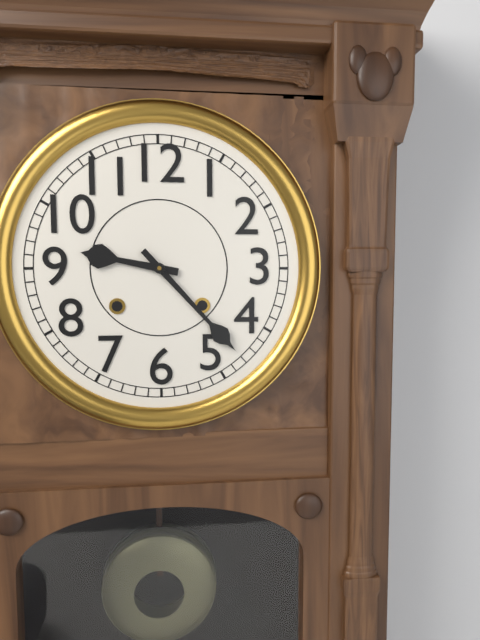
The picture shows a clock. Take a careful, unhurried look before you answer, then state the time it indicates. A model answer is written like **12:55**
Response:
**9:23**
